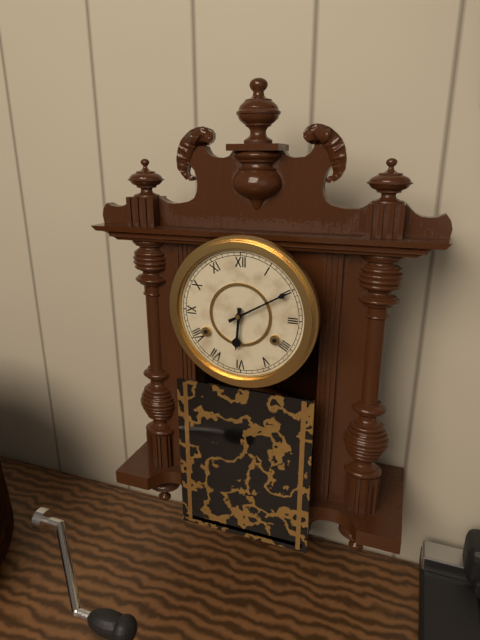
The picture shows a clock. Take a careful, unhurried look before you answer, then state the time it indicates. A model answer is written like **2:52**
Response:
**6:10**
